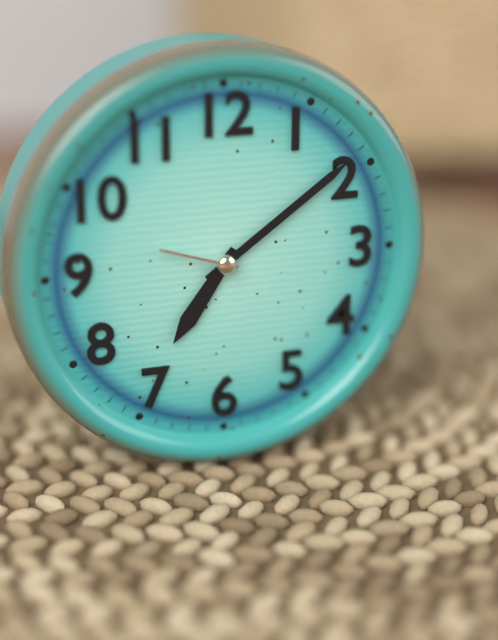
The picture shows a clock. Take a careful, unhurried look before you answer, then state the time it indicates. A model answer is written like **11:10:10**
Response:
**7:09:48**
